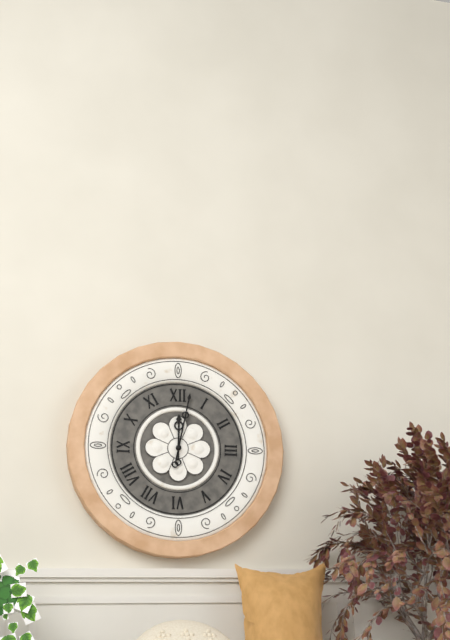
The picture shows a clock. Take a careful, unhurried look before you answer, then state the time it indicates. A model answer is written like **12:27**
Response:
**12:02**
